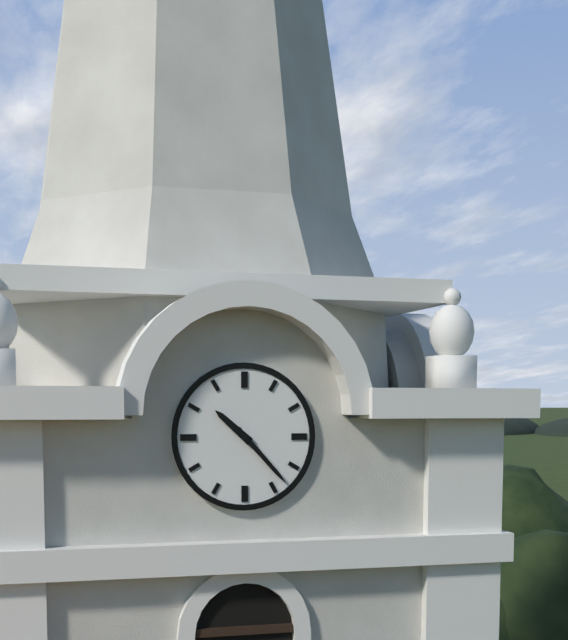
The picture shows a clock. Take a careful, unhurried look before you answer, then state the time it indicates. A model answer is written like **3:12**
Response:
**10:23**
